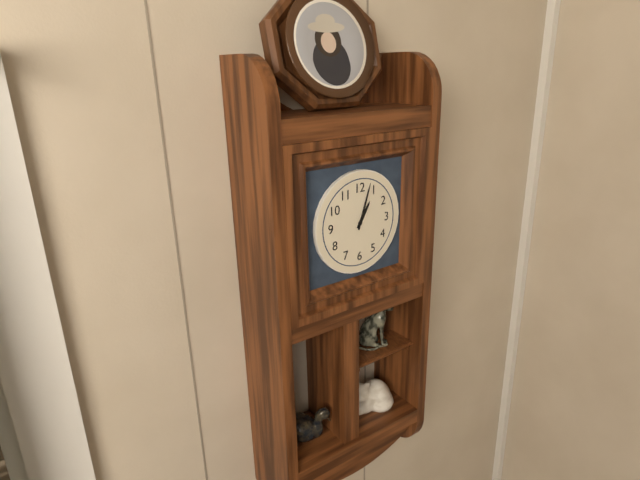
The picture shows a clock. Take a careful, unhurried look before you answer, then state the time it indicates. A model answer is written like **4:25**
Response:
**1:03**
